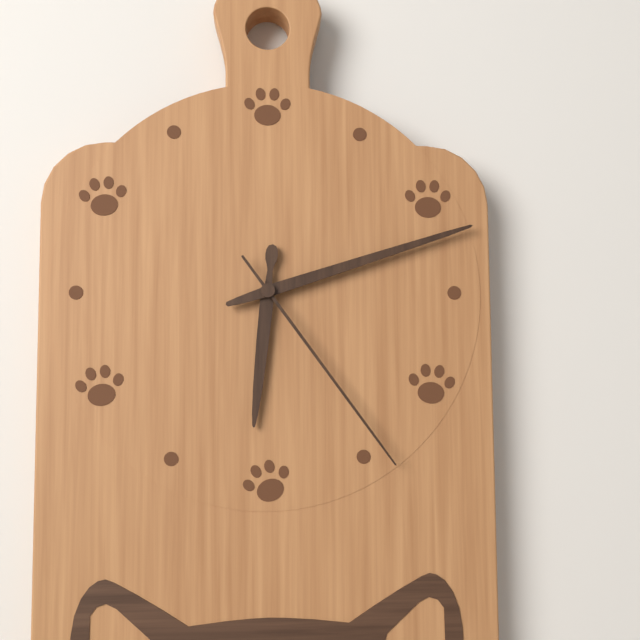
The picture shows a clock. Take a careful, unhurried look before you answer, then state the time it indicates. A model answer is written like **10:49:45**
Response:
**6:12:24**
